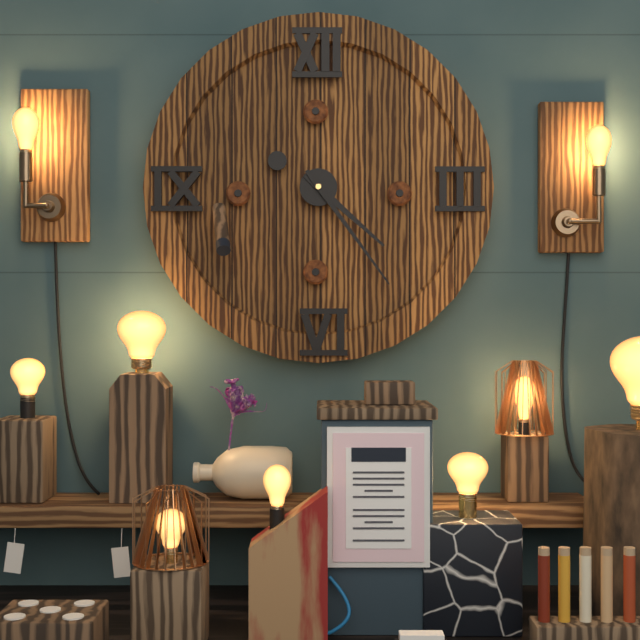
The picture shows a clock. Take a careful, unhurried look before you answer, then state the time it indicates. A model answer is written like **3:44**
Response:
**4:24**
